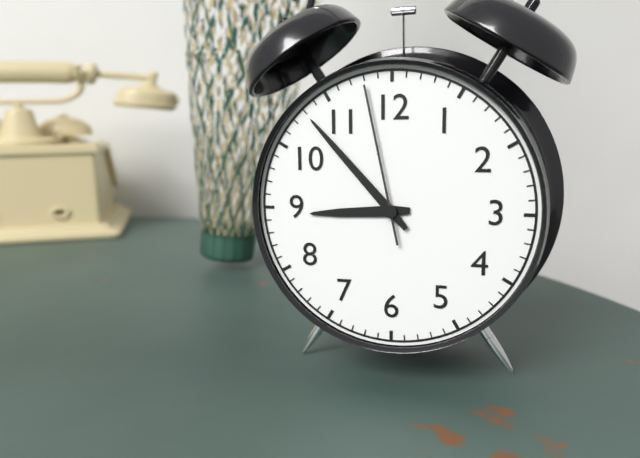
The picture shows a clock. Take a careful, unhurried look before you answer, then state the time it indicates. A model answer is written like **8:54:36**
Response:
**8:53:58**
